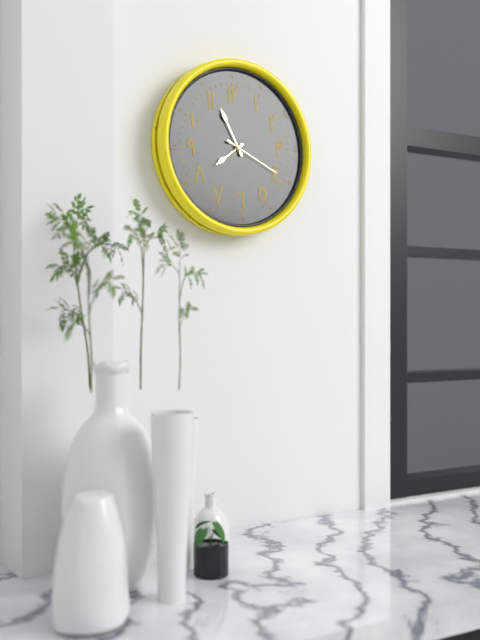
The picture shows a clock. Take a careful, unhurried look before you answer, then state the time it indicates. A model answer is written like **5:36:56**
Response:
**7:56:20**
